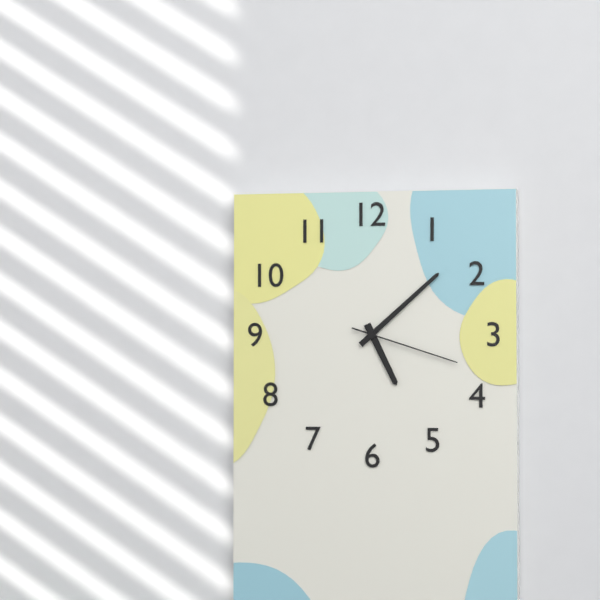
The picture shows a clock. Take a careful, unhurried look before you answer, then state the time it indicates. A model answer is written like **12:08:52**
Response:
**5:08:18**
